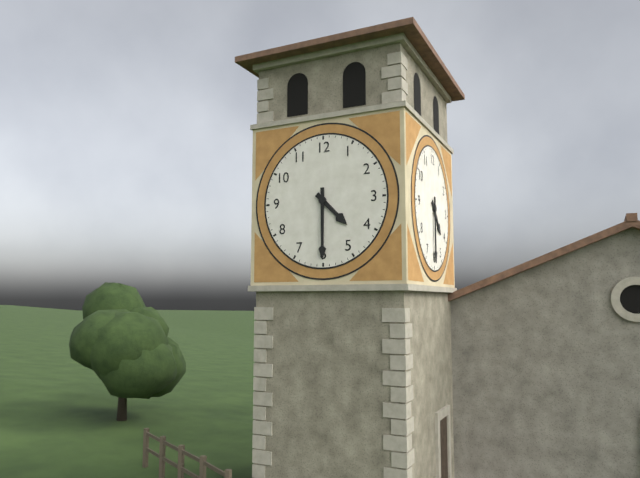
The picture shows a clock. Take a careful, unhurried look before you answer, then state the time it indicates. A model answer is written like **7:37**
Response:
**4:30**
